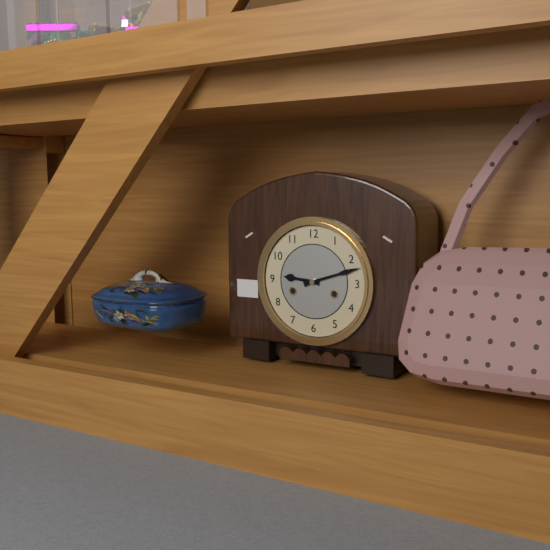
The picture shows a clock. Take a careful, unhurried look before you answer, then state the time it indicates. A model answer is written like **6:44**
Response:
**9:12**
